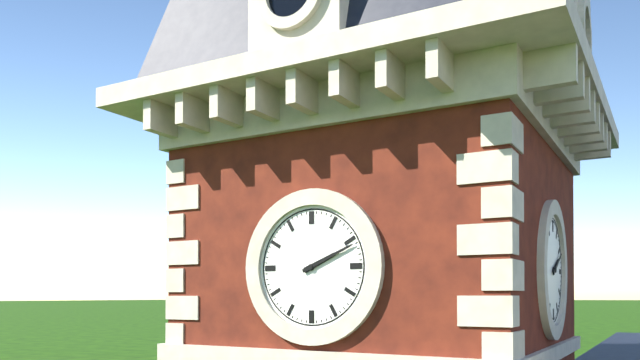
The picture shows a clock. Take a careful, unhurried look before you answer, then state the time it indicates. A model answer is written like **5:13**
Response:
**2:11**
